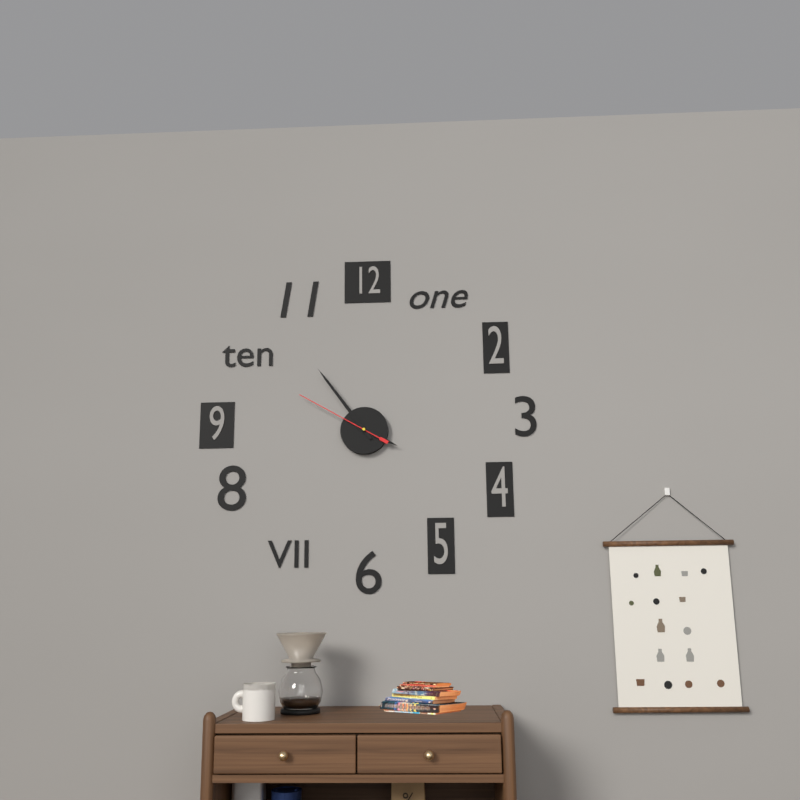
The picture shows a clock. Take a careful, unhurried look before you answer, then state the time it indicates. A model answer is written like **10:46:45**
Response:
**3:54:50**
